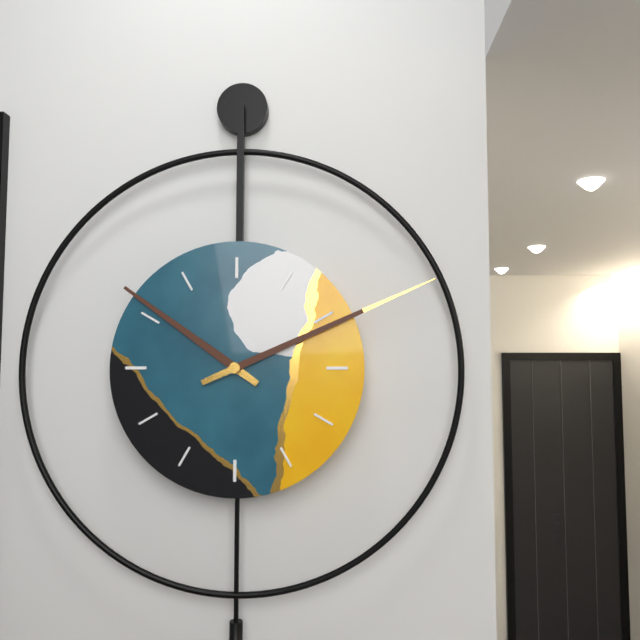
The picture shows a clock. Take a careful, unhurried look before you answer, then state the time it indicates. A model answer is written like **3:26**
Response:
**10:11**
